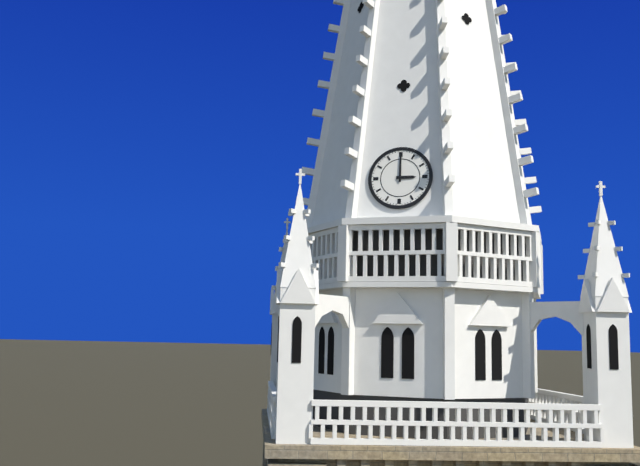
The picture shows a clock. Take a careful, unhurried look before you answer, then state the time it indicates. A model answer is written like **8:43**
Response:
**3:00**
